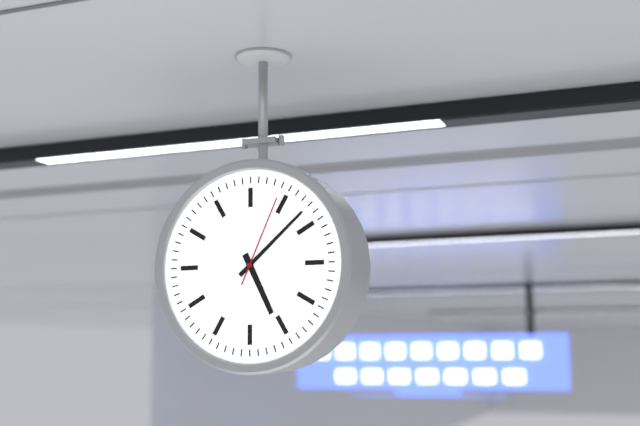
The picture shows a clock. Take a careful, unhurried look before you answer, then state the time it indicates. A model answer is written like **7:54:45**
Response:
**5:08:04**
